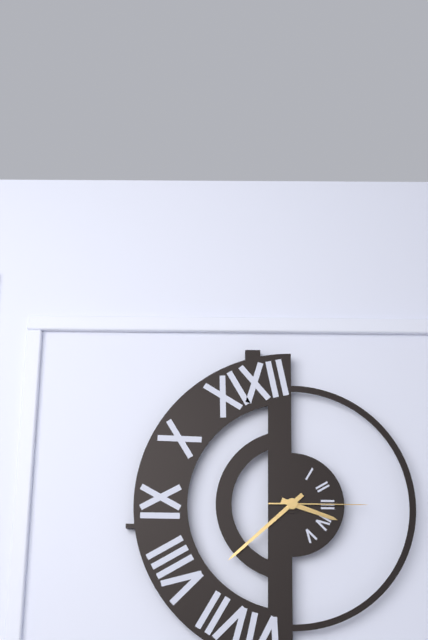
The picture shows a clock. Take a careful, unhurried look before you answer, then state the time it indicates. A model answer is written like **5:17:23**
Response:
**3:38:15**
